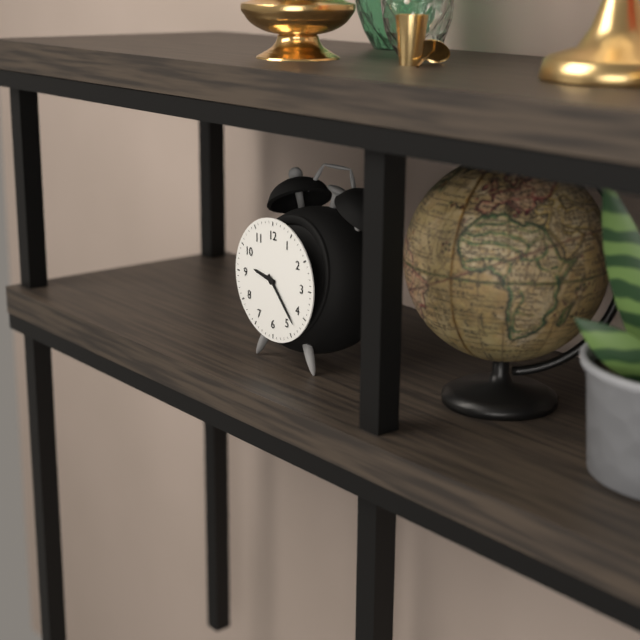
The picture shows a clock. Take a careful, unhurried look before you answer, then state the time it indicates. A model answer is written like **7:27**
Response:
**9:23**
